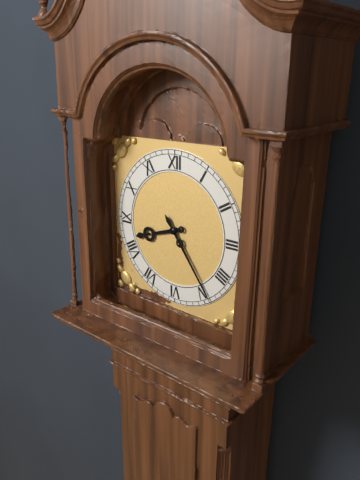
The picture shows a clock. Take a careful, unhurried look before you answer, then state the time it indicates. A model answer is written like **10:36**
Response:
**8:24**
